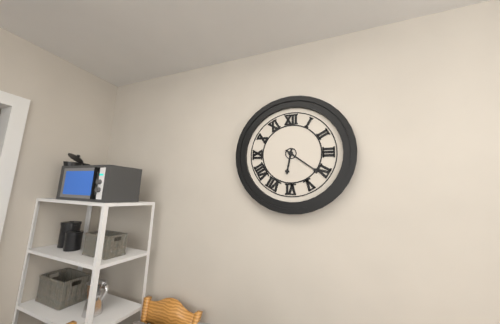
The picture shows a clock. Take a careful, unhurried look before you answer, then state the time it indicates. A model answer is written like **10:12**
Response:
**6:21**
